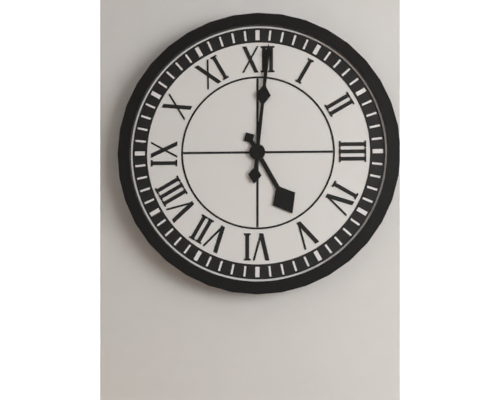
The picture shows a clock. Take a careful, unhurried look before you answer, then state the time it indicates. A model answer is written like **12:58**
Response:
**5:01**
